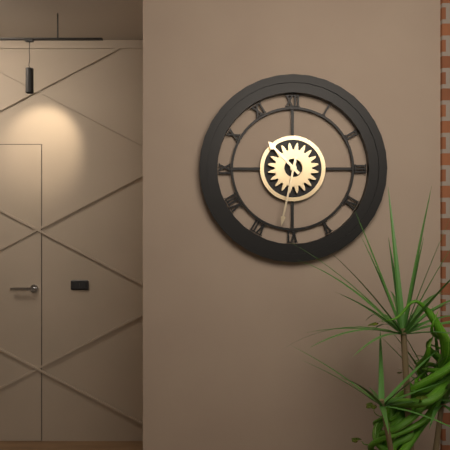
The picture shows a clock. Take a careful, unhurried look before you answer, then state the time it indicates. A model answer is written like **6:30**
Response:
**10:32**
